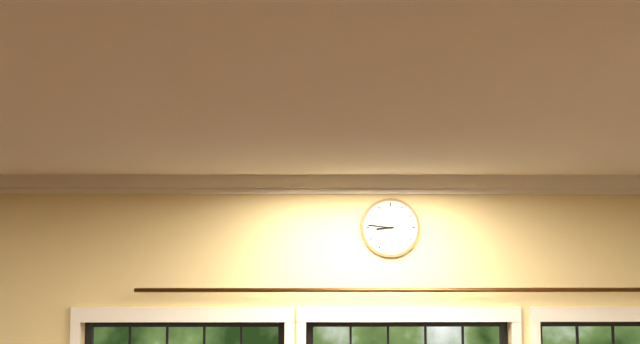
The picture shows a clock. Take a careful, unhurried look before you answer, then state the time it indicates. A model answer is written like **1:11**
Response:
**8:46**
